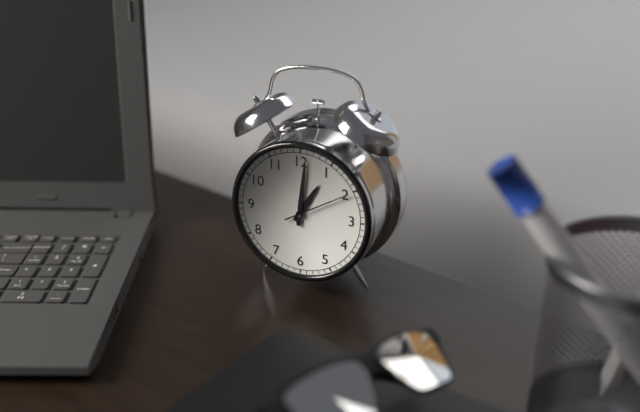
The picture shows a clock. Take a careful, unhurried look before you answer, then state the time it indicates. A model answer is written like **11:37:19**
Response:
**1:01:10**
